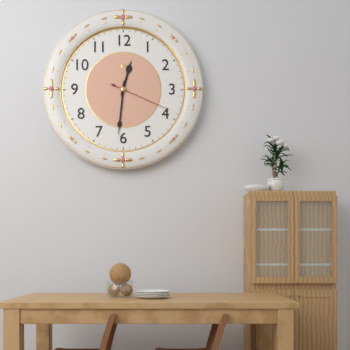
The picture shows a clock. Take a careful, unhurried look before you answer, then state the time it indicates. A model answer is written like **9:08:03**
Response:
**12:31:19**
